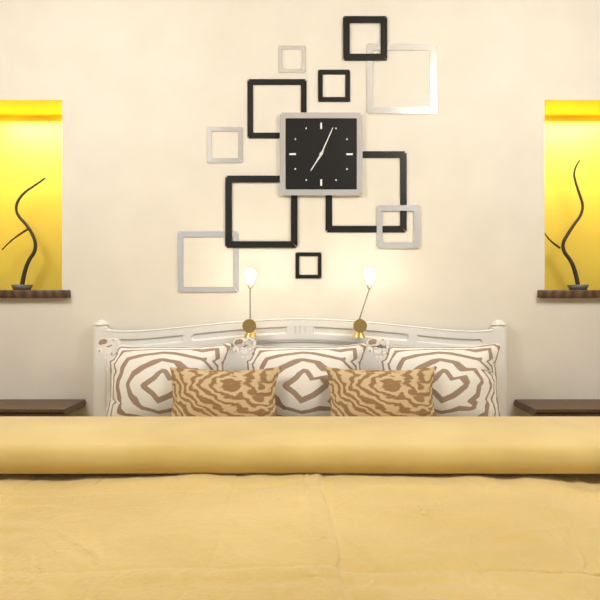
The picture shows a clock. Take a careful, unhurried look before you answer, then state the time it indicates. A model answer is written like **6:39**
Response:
**7:04**
